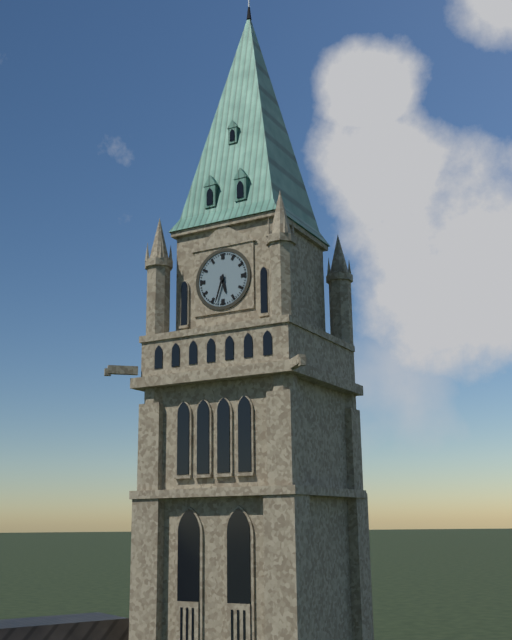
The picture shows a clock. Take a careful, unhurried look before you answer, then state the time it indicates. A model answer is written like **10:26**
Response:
**5:33**
